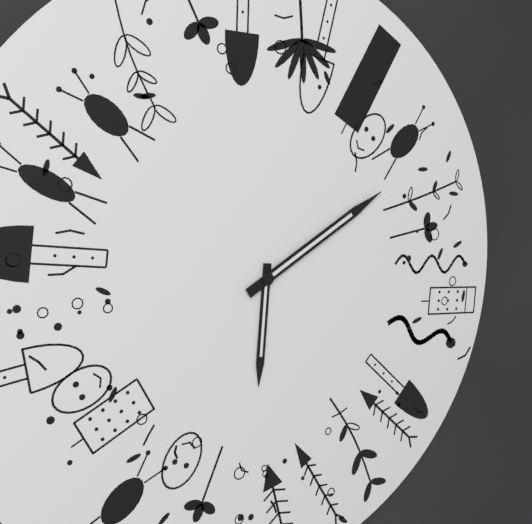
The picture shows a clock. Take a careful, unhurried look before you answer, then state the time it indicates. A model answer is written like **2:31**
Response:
**6:10**
